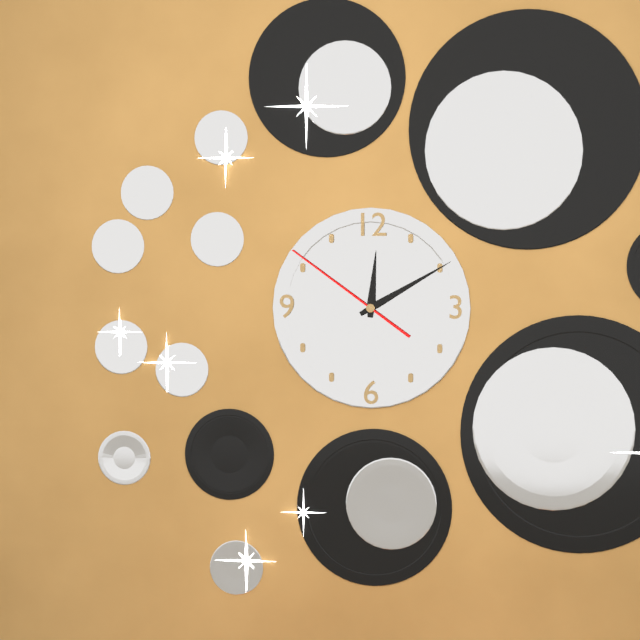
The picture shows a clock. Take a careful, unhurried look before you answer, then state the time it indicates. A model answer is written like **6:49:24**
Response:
**12:10:51**
